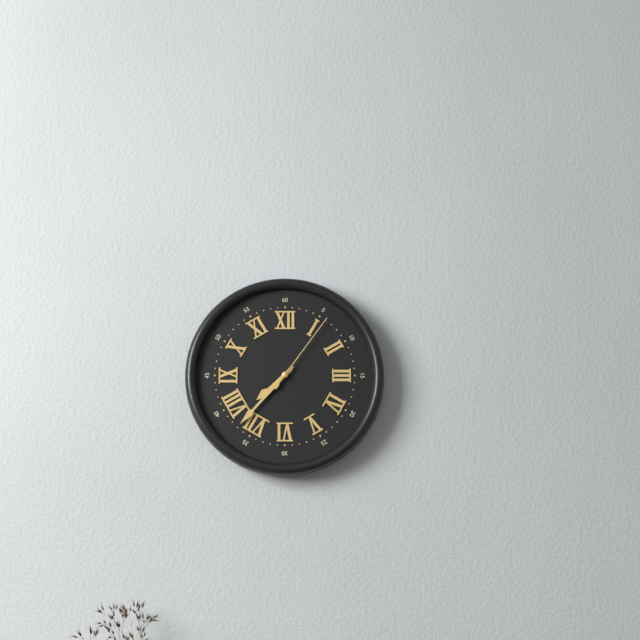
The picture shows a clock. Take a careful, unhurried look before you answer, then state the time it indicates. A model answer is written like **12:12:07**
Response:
**7:37:06**
